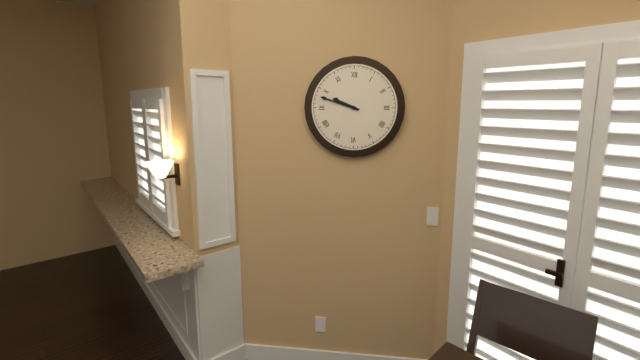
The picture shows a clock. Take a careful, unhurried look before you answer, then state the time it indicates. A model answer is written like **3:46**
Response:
**9:48**
